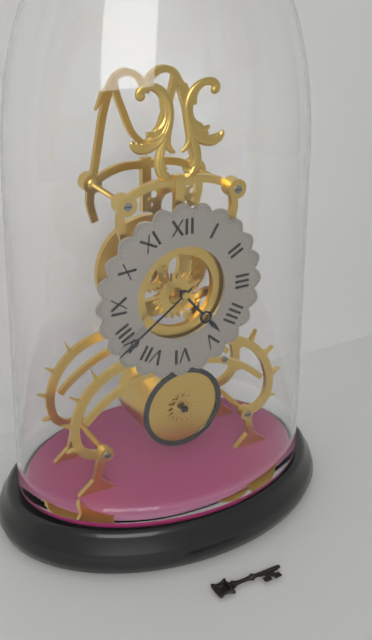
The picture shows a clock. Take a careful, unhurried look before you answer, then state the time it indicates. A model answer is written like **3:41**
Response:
**4:39**
